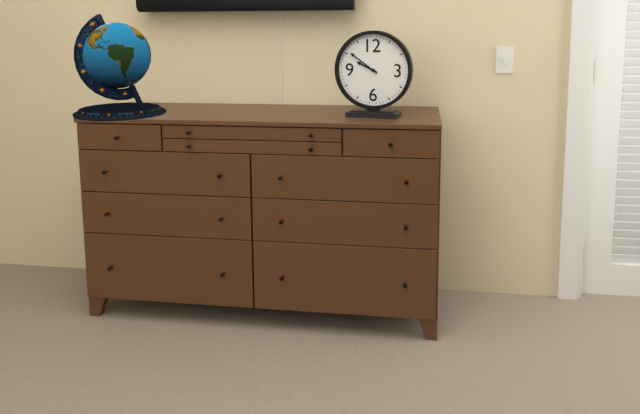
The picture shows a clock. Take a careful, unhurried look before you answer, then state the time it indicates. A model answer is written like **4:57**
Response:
**9:51**
